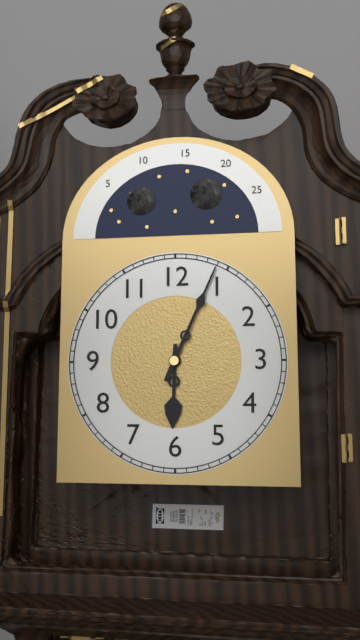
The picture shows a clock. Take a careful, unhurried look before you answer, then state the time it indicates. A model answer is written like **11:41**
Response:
**6:04**
